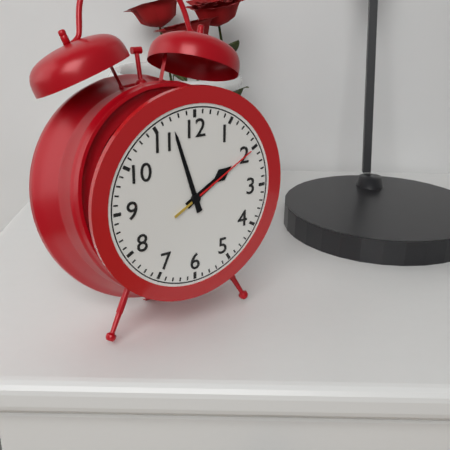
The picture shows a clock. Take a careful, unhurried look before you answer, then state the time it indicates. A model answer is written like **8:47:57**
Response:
**1:57:10**
